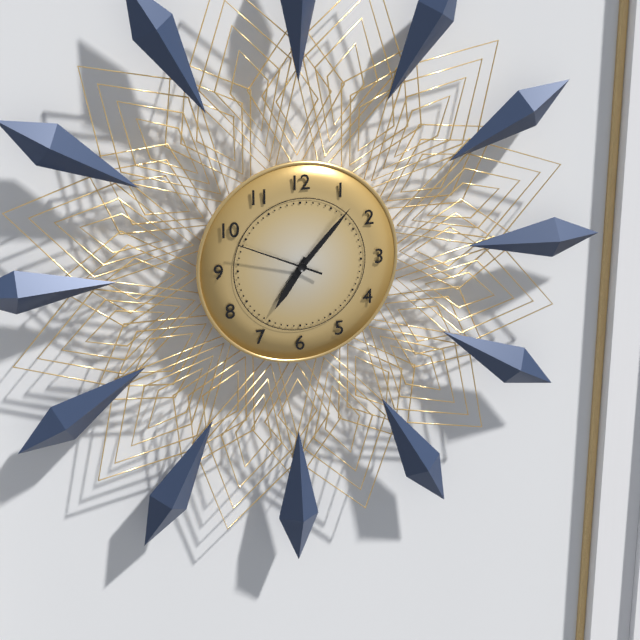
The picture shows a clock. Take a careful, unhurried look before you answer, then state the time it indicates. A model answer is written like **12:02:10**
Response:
**7:07:49**
